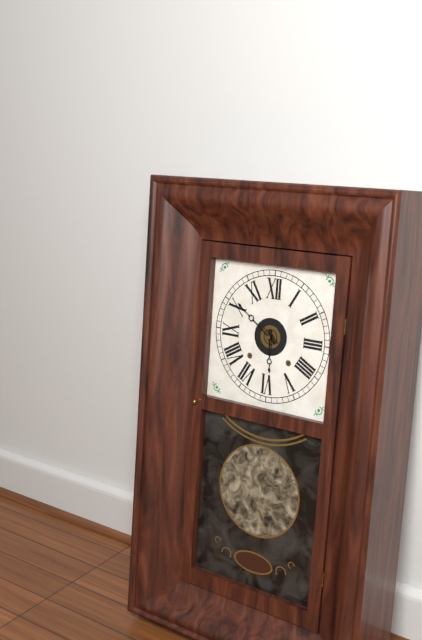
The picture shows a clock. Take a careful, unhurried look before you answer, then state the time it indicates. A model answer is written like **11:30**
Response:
**5:51**
